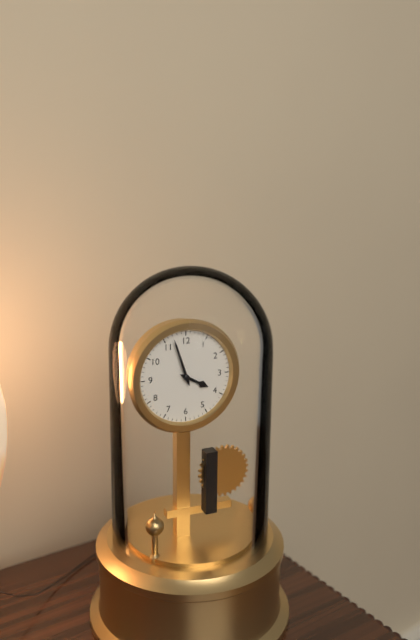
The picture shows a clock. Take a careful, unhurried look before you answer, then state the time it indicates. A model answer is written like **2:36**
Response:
**3:57**
